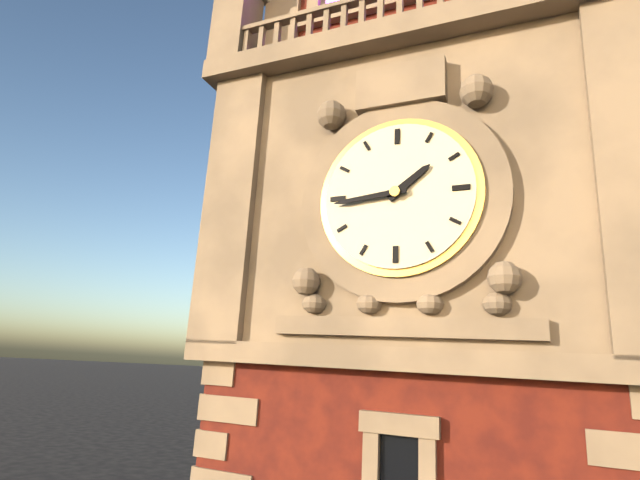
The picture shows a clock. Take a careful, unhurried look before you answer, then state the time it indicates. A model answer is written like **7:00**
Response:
**1:44**
